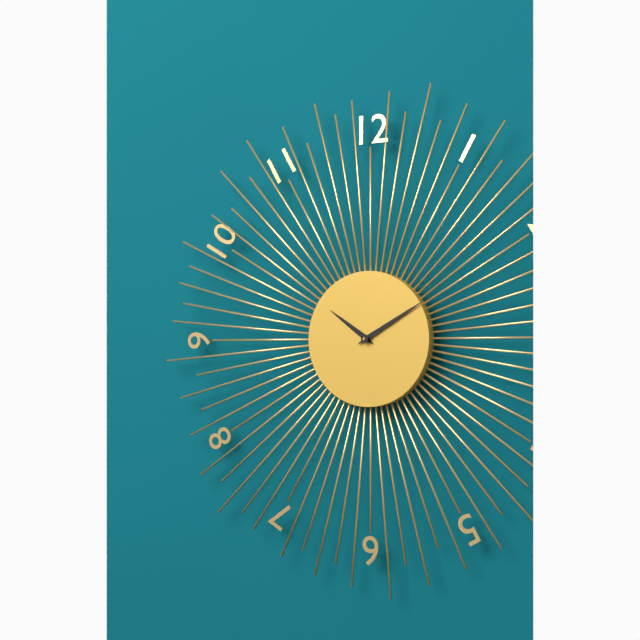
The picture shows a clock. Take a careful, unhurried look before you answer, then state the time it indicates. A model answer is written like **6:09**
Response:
**10:10**
